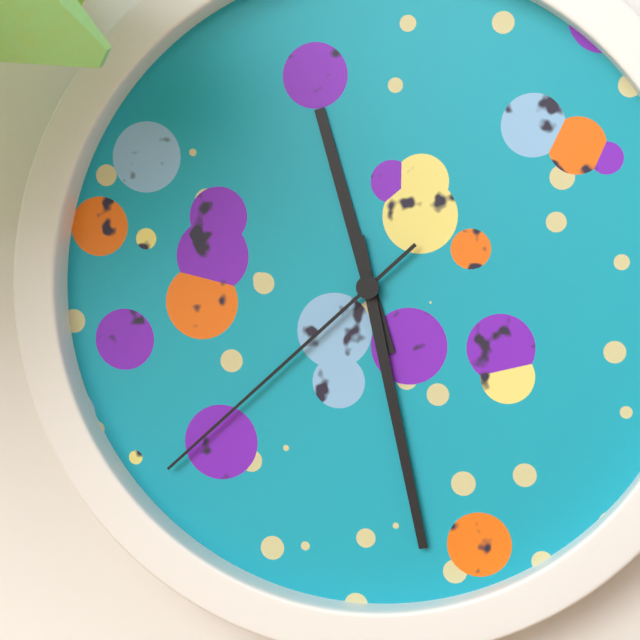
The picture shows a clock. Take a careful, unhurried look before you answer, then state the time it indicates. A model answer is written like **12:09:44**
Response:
**11:28:38**
